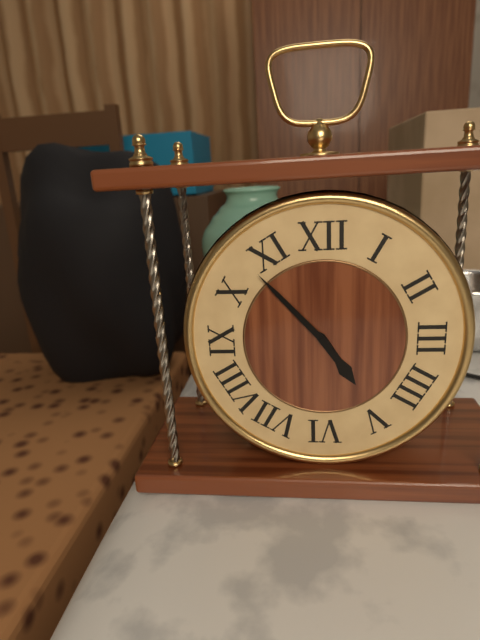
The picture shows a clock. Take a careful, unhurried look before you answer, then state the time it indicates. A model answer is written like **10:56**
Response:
**4:53**
